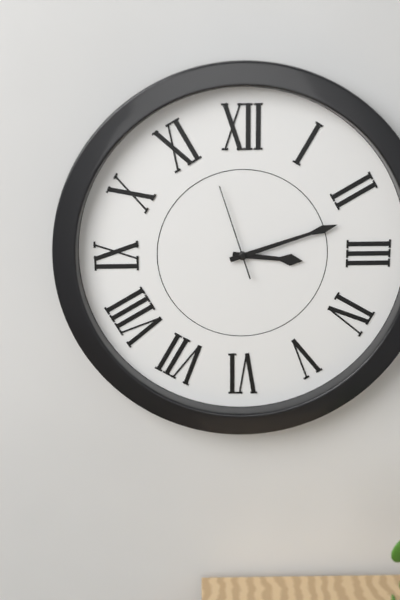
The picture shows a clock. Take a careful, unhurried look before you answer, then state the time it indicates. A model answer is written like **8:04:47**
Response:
**3:12:57**
